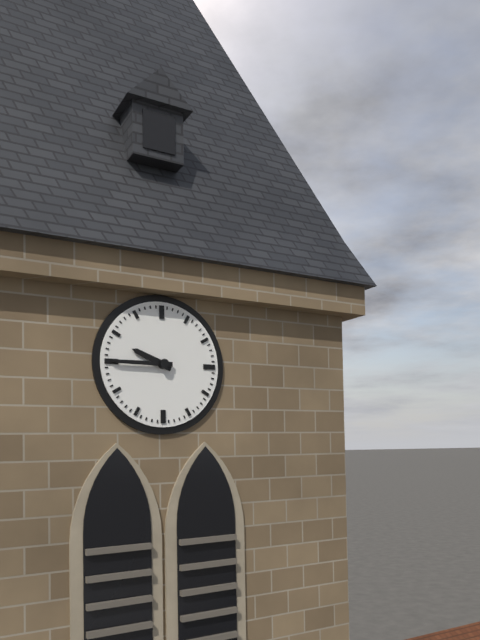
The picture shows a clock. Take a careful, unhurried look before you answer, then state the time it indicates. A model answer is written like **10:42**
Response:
**9:45**
